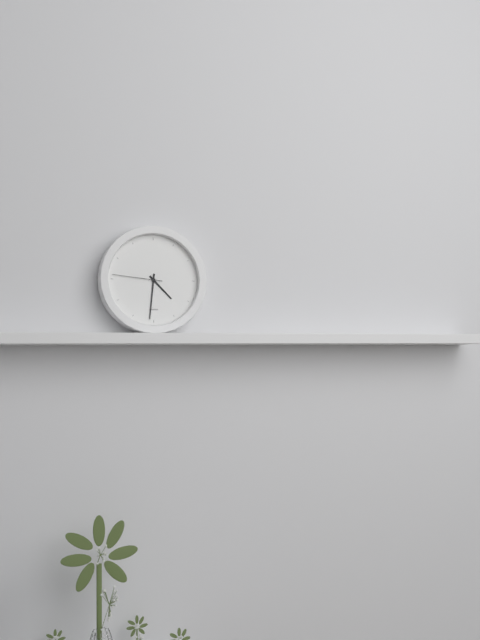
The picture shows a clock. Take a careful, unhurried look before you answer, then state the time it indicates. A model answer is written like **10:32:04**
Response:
**4:31:46**
